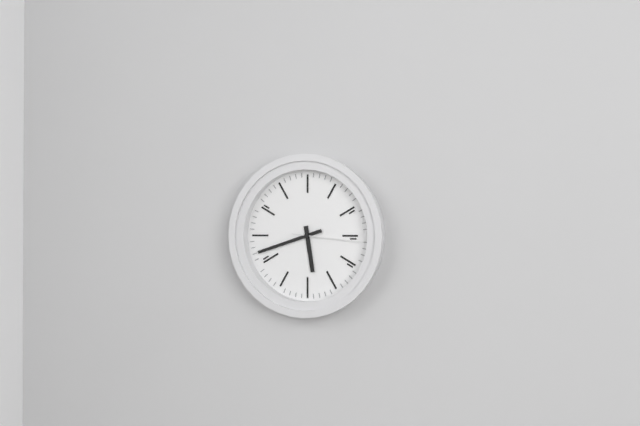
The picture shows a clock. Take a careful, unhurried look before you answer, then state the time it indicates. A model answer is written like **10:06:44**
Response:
**5:42:16**
